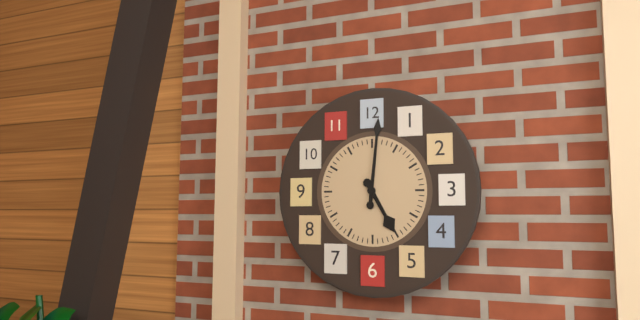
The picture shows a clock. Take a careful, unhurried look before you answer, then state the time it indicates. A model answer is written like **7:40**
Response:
**5:01**
